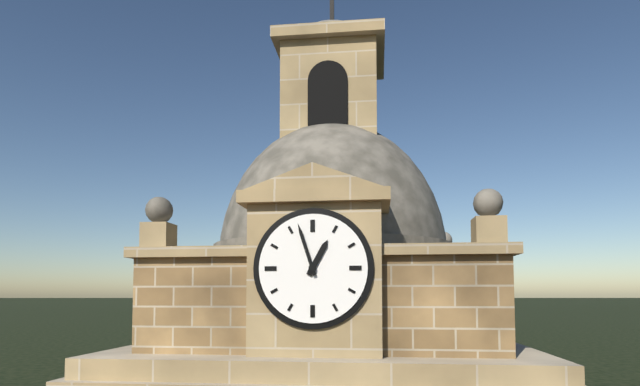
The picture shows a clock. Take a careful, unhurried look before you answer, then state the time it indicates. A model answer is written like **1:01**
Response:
**12:57**
